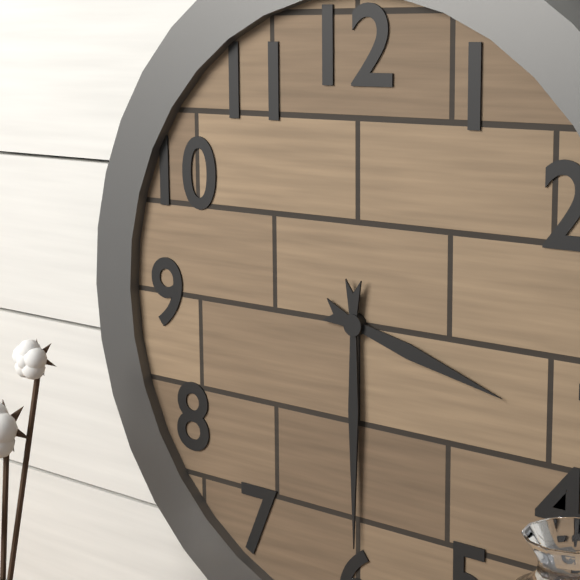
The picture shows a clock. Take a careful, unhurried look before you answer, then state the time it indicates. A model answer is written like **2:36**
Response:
**3:30**
